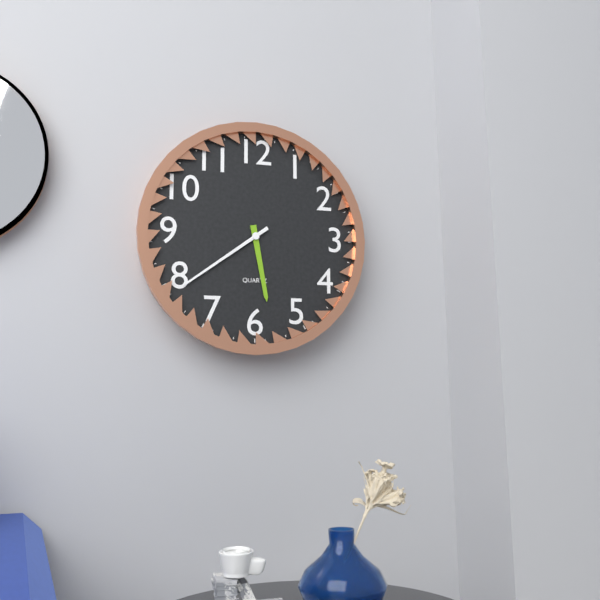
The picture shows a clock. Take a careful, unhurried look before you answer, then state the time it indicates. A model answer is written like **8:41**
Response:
**5:39**
